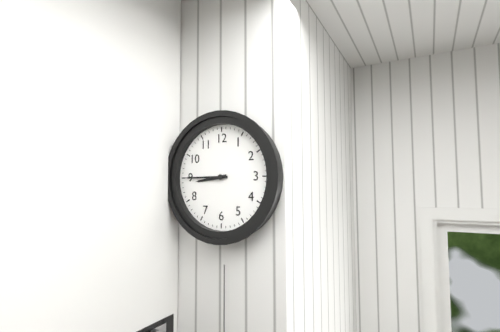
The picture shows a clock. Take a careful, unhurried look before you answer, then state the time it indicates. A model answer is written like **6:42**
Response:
**8:45**
